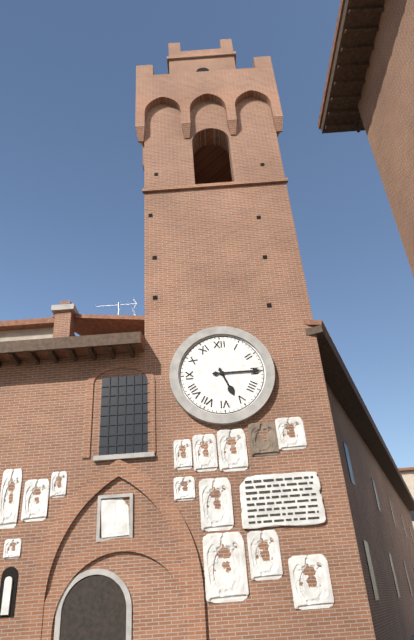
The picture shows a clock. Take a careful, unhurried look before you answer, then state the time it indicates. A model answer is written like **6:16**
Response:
**5:15**
